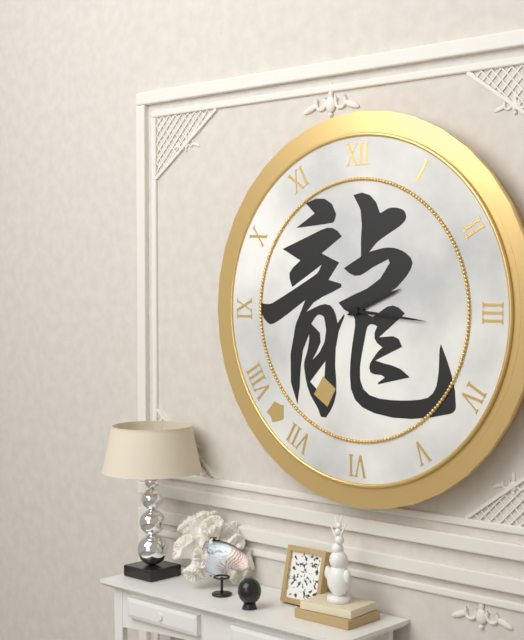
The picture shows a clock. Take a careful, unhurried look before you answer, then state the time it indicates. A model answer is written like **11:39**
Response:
**2:16**
